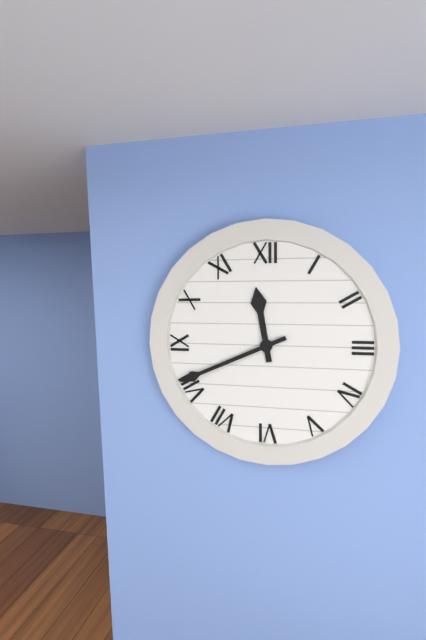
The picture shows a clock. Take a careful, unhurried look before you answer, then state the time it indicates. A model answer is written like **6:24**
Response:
**11:41**
